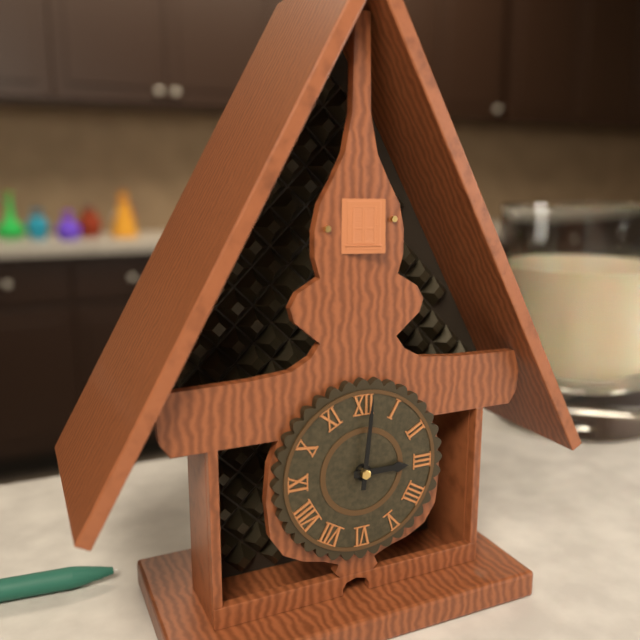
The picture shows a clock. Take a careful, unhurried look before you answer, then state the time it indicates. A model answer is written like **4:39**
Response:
**3:01**
